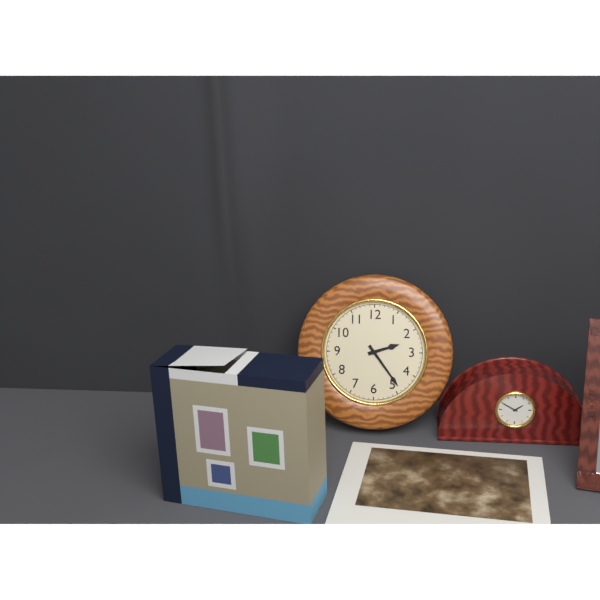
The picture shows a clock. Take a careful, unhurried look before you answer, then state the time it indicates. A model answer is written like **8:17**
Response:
**2:24**
